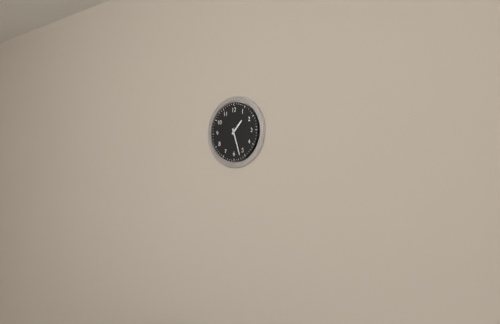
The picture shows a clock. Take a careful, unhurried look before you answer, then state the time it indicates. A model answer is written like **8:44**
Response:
**1:27**
